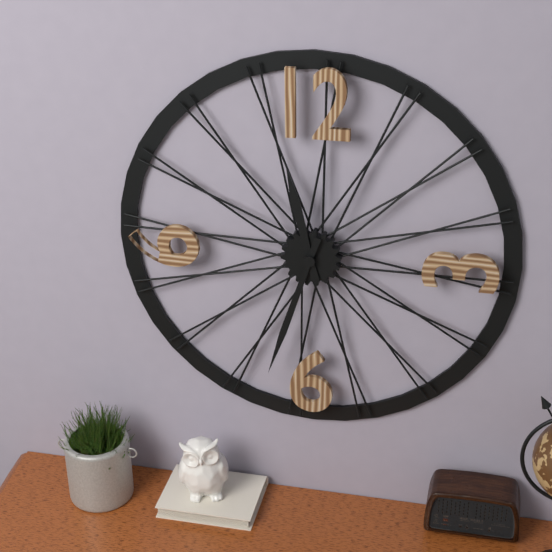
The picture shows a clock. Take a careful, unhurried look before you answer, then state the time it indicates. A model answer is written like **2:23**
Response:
**11:33**
